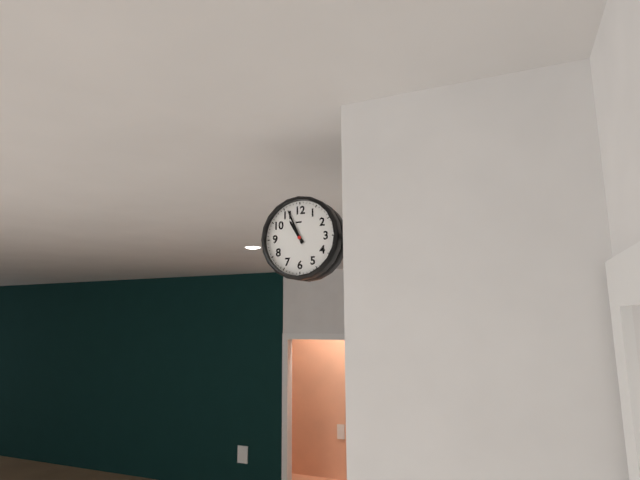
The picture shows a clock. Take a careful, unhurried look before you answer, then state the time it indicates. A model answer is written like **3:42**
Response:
**10:56**
